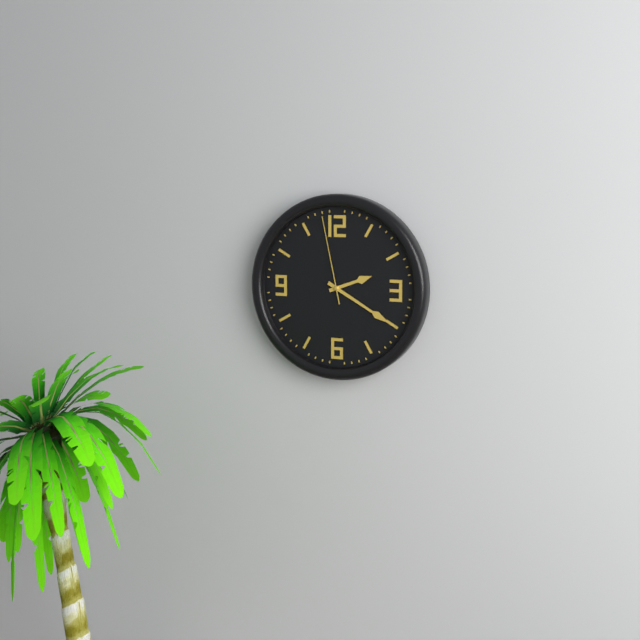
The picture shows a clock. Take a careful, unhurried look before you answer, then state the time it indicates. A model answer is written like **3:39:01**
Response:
**2:20:58**
